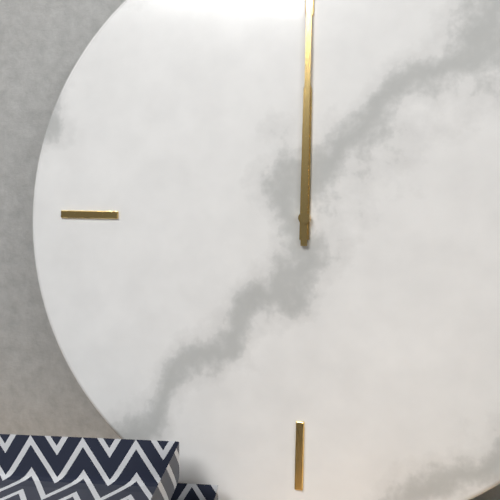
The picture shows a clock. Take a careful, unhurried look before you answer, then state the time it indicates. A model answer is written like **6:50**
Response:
**12:00**
